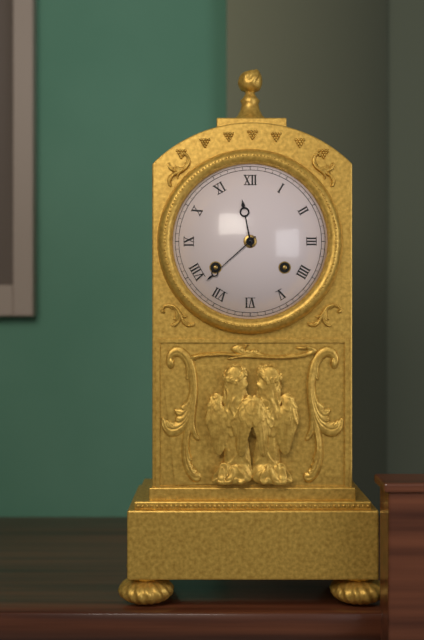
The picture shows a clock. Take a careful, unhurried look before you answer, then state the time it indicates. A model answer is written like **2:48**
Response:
**11:38**
